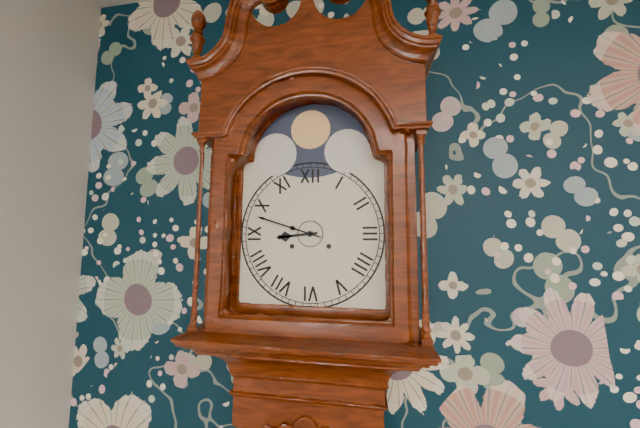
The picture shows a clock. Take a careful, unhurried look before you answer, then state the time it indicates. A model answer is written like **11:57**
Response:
**8:48**
